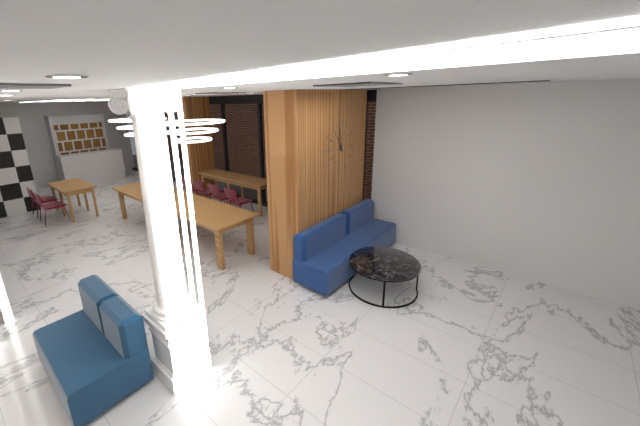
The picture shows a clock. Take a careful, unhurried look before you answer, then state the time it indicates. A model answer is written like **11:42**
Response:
**10:58**
